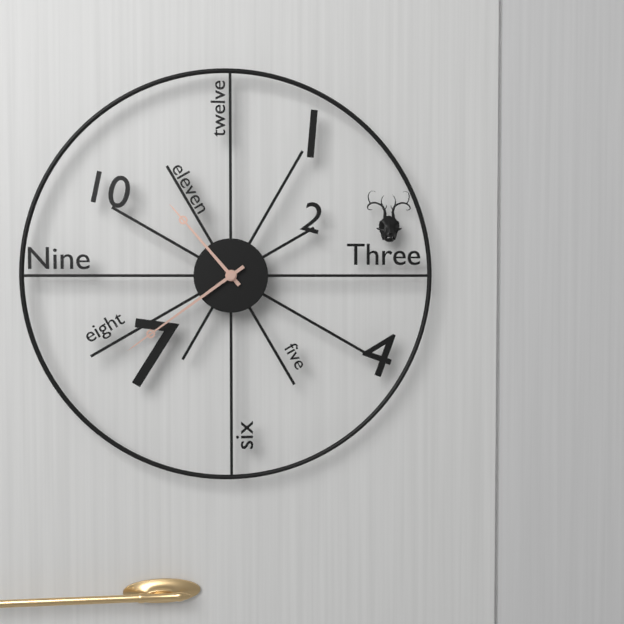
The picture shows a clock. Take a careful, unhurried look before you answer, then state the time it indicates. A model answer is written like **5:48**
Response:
**10:39**
